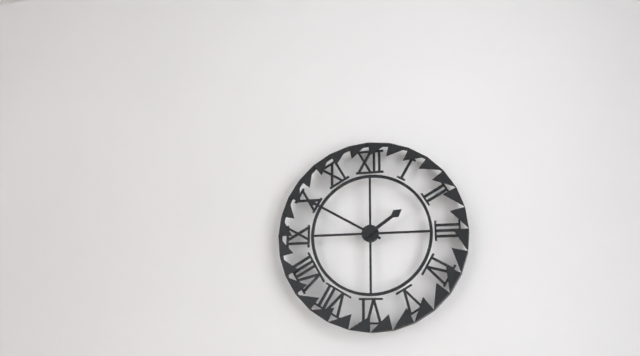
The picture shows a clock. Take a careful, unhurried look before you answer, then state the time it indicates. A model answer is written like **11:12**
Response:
**1:50**
